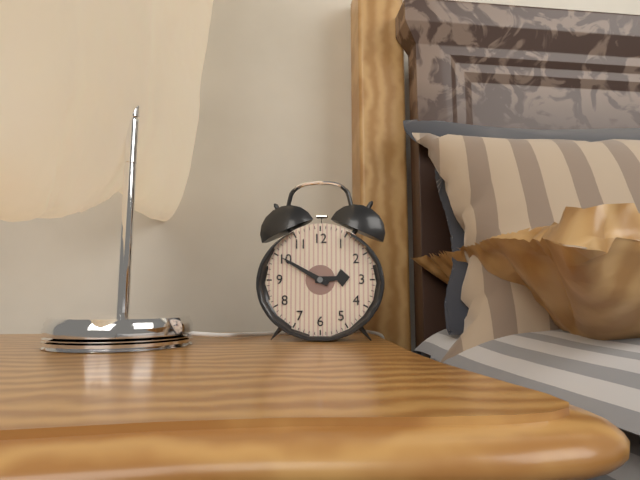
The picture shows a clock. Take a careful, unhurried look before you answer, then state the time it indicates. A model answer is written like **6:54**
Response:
**2:50**
